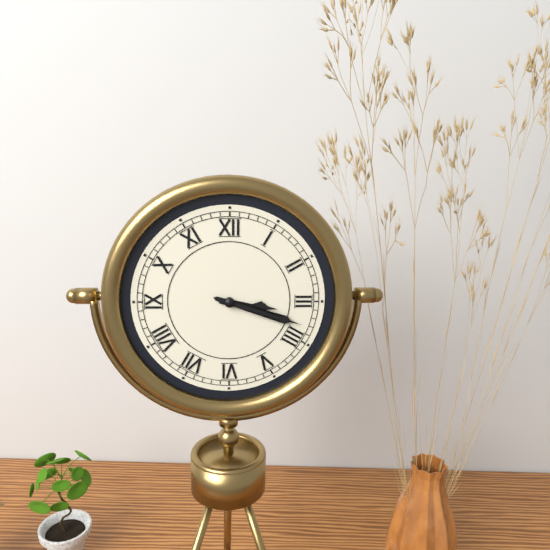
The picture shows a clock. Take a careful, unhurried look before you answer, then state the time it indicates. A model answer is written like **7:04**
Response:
**3:18**
